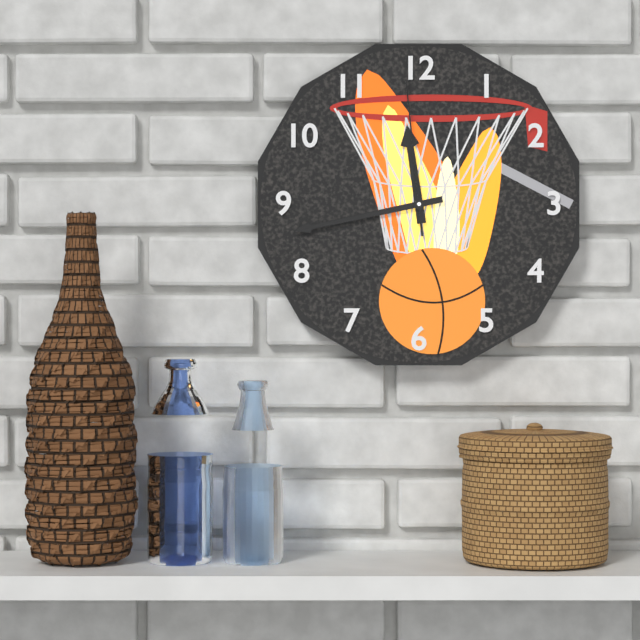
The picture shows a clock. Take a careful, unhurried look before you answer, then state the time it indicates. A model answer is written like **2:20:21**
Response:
**11:43:59**
